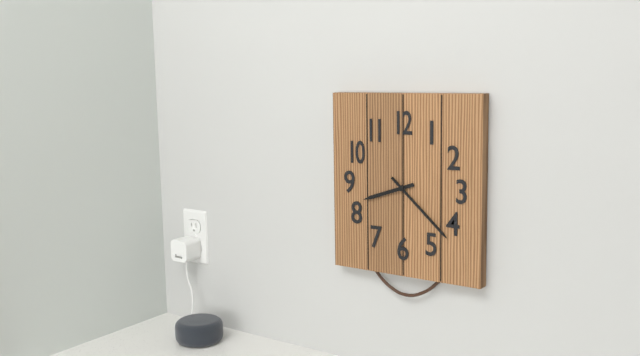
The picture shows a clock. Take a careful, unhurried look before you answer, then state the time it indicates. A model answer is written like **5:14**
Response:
**8:22**
